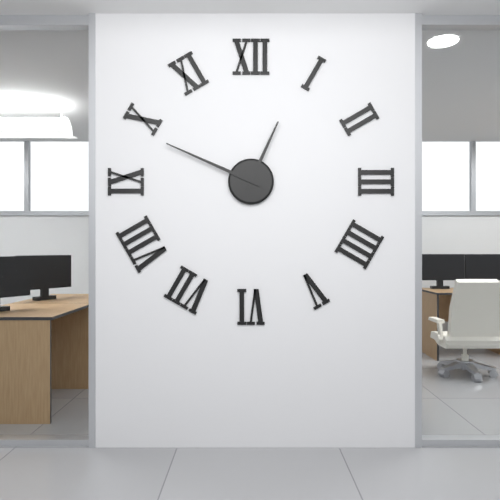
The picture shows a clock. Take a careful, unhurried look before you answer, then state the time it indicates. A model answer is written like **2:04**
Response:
**12:49**
